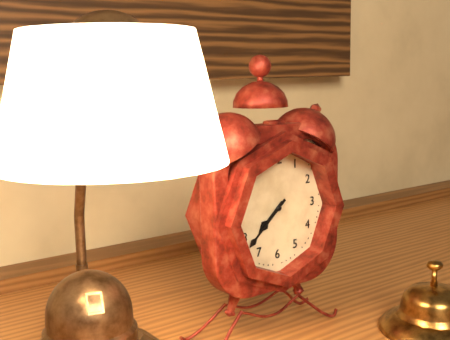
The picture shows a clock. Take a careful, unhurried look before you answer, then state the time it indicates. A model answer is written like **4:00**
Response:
**7:38**
